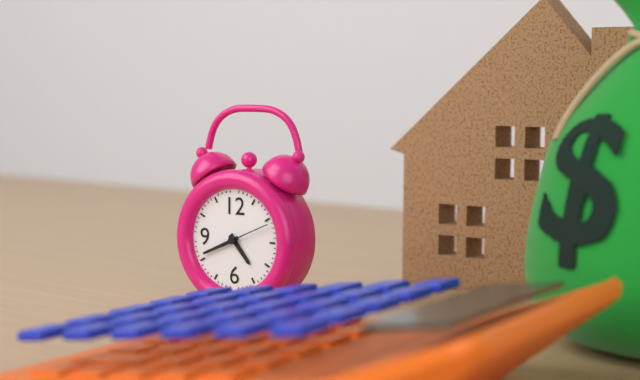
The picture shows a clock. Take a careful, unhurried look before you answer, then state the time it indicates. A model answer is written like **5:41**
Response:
**4:41**
